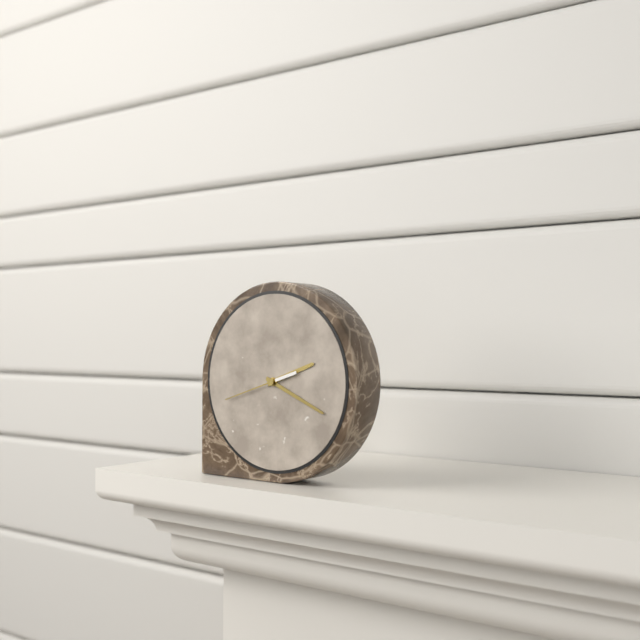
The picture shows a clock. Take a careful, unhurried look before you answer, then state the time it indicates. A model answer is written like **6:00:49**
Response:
**2:19:42**
